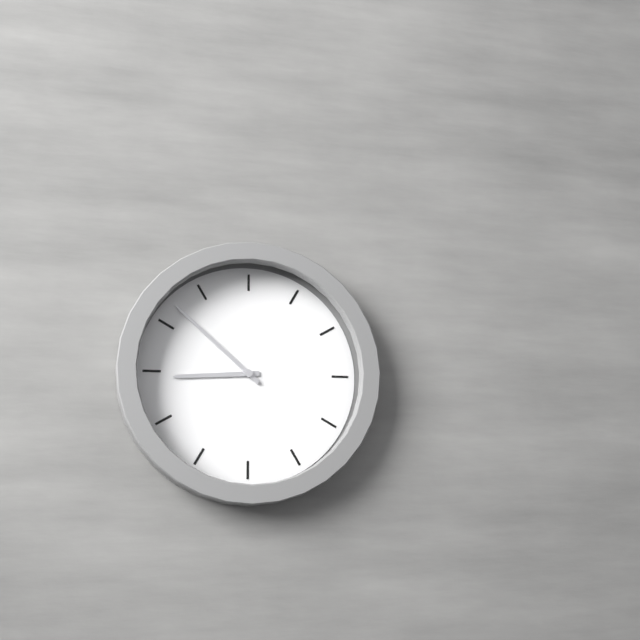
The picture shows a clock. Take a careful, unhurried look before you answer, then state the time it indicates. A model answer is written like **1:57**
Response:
**8:52**
